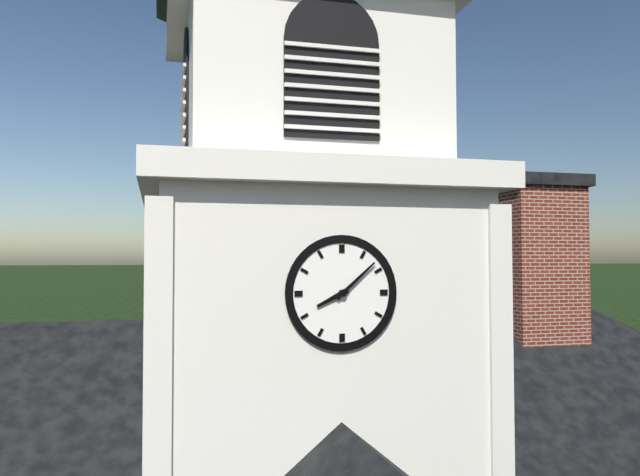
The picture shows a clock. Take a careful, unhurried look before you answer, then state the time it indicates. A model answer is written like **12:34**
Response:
**8:08**
